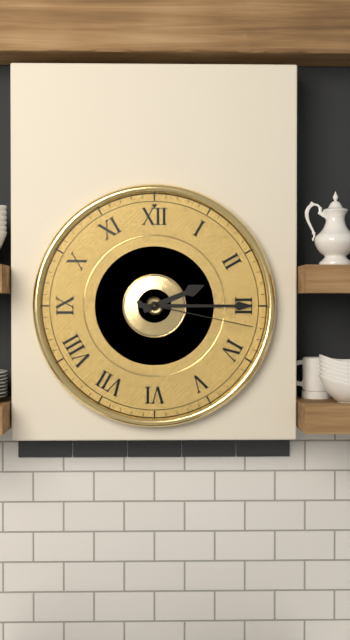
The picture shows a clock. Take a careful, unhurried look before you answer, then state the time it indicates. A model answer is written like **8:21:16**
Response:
**2:15:17**
